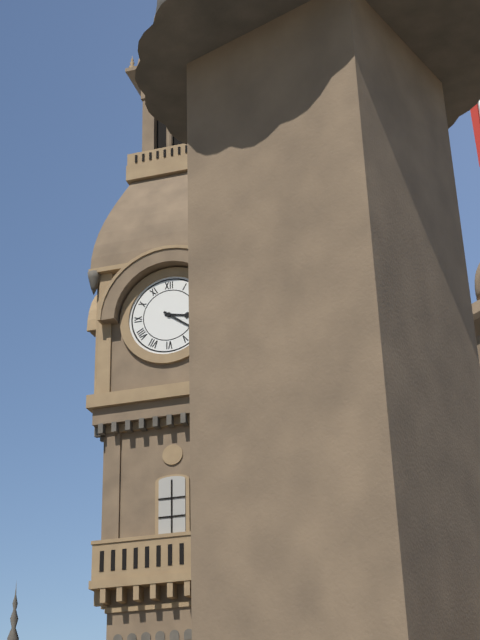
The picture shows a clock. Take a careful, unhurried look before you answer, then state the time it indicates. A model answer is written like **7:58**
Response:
**3:21**
